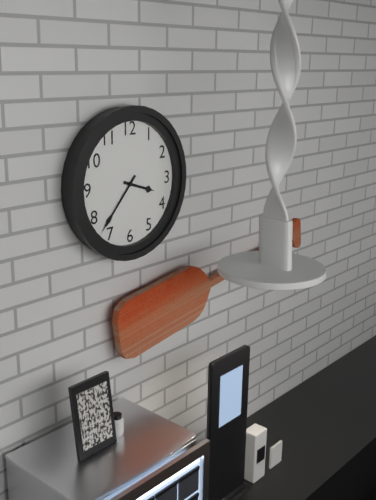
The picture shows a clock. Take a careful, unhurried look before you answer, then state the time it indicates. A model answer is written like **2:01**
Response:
**3:37**
